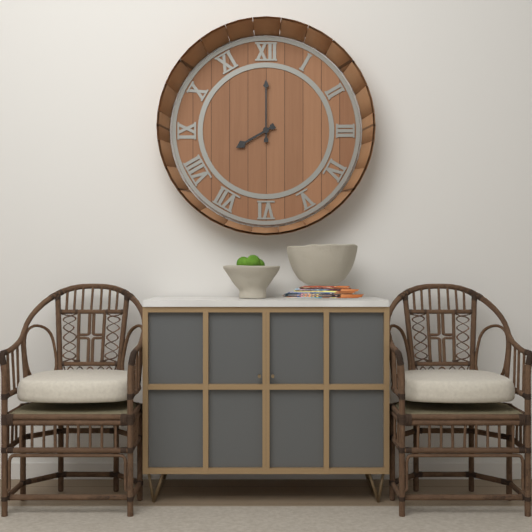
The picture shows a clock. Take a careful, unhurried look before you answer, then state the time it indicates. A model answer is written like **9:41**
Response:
**8:00**
